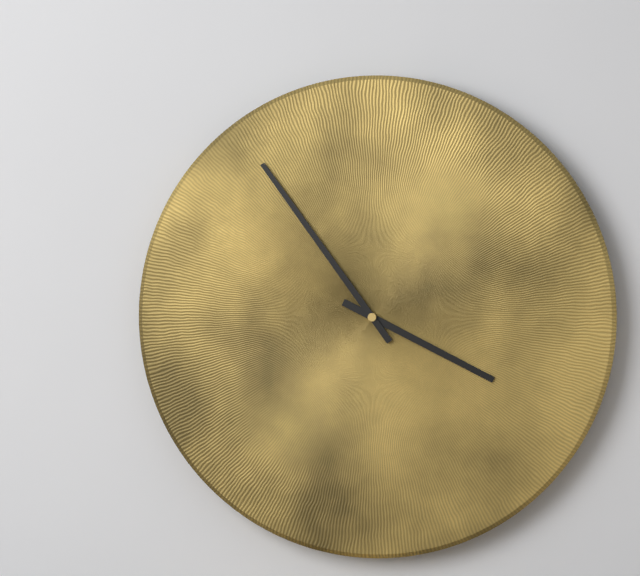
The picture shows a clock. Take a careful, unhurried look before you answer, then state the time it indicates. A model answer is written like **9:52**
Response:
**3:54**
